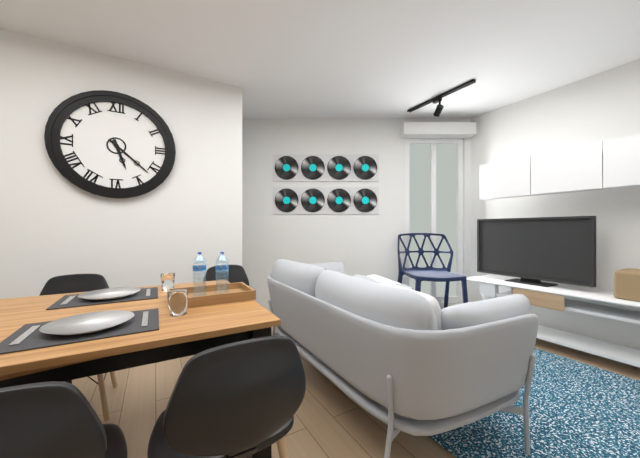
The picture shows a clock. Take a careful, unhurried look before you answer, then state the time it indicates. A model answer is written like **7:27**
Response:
**5:22**
